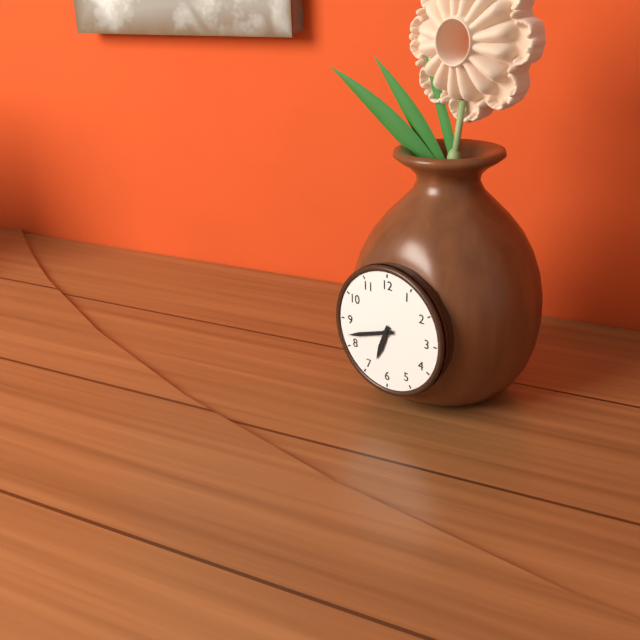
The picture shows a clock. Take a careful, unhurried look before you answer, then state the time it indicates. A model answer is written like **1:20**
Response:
**6:42**
